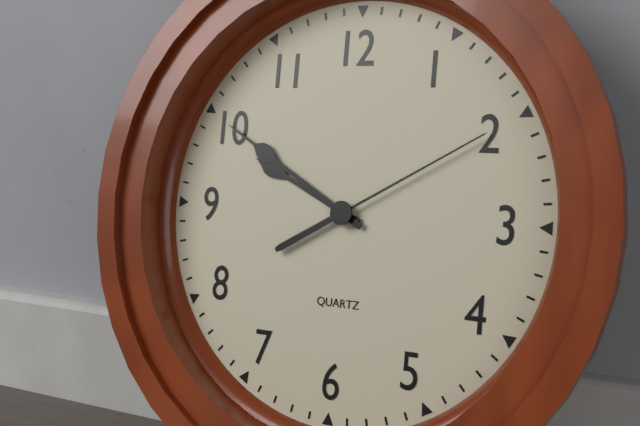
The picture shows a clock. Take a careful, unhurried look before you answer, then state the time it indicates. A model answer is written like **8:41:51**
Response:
**9:50:10**
